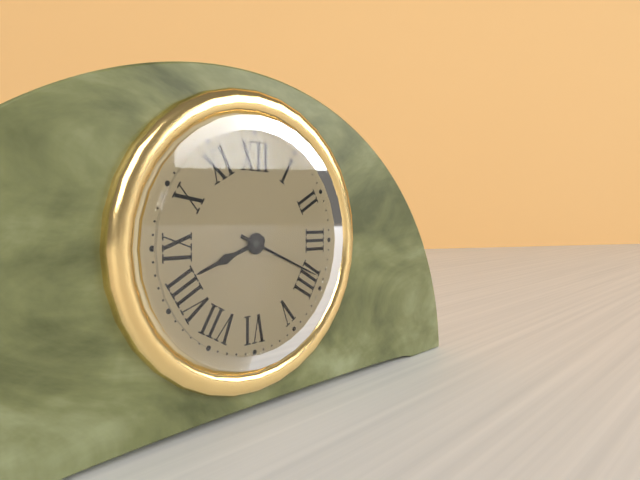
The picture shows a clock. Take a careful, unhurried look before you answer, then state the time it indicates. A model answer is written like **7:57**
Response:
**8:19**
